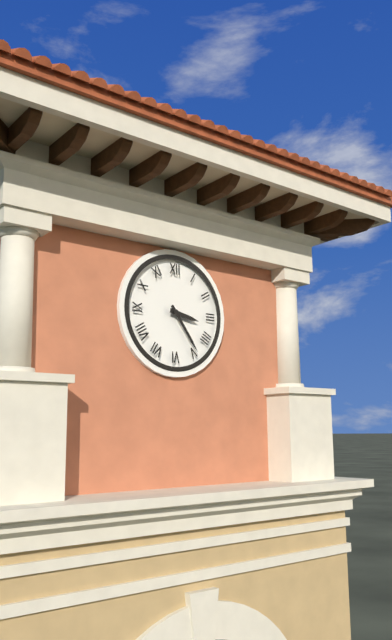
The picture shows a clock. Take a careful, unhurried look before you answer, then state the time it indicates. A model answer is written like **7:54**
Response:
**3:24**
